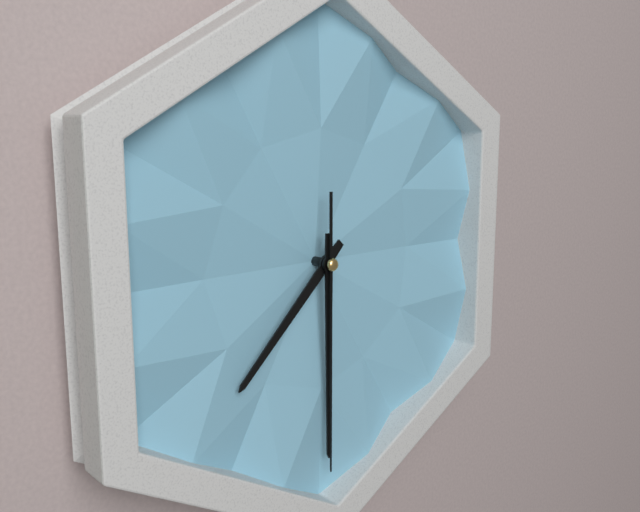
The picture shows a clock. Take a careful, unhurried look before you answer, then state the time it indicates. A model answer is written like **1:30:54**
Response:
**7:30:30**
